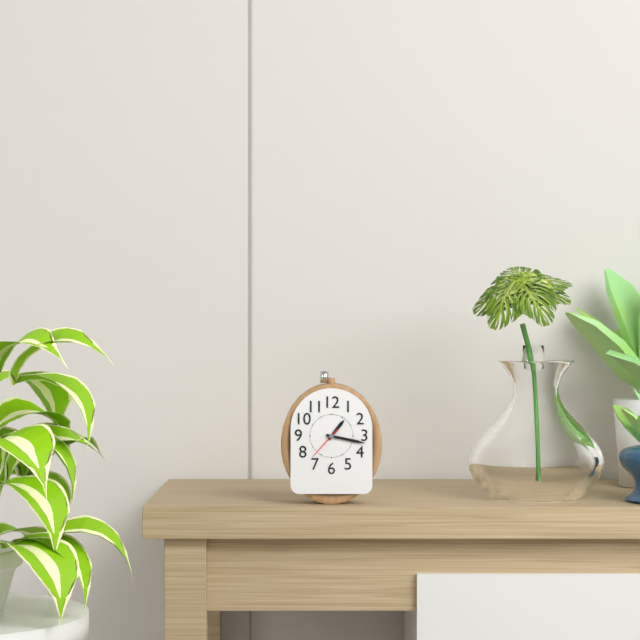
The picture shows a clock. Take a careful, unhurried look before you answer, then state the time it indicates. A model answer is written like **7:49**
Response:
**1:17**
